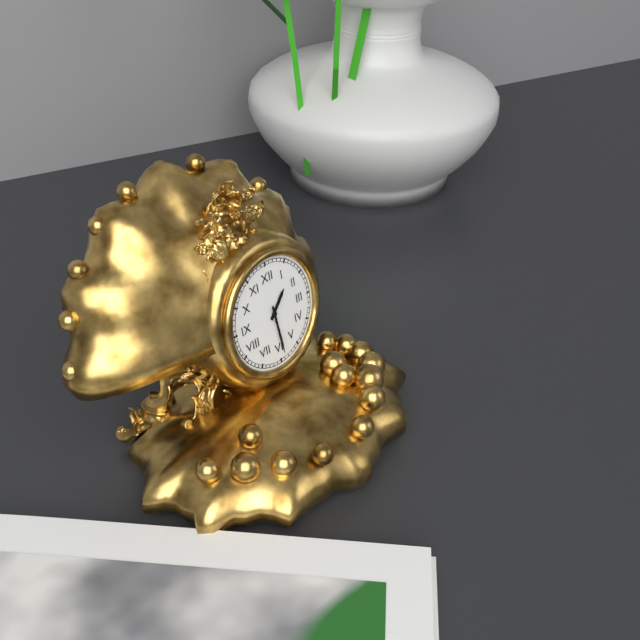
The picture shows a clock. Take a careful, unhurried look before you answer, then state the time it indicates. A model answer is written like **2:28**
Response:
**1:29**
